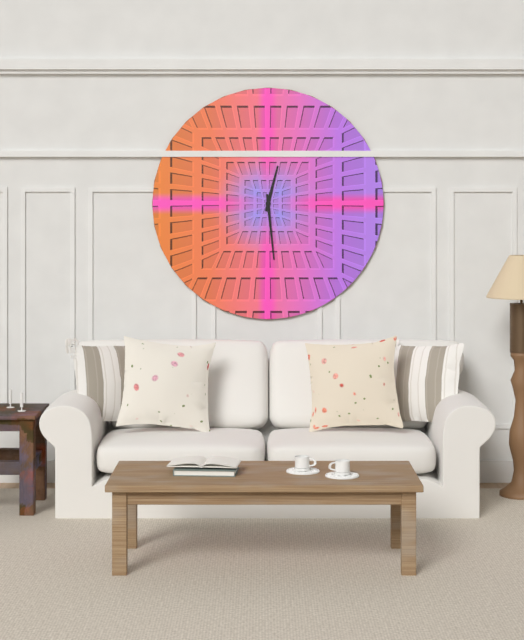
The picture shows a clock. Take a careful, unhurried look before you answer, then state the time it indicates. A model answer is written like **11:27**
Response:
**12:29**
